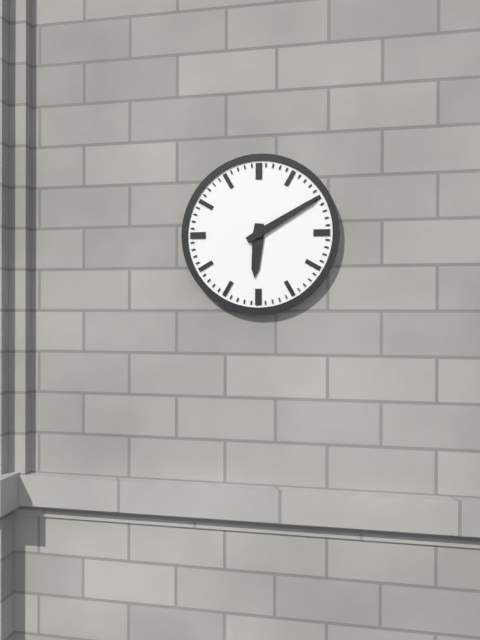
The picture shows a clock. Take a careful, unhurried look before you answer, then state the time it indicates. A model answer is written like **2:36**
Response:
**6:10**
